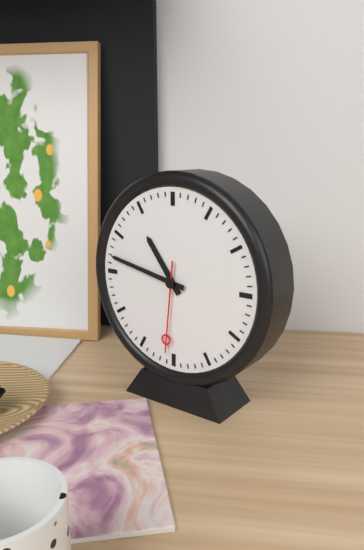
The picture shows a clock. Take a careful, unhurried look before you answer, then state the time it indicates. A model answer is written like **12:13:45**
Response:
**10:47:31**
